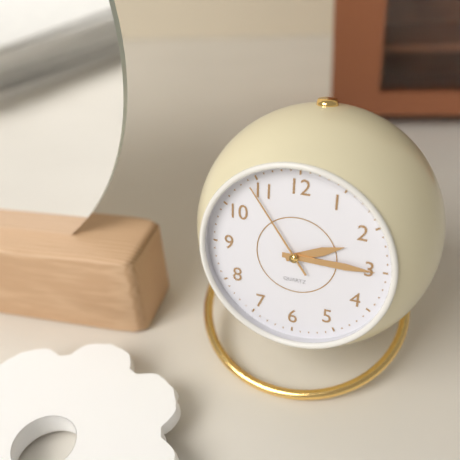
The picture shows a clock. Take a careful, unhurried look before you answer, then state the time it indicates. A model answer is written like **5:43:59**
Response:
**2:15:54**
